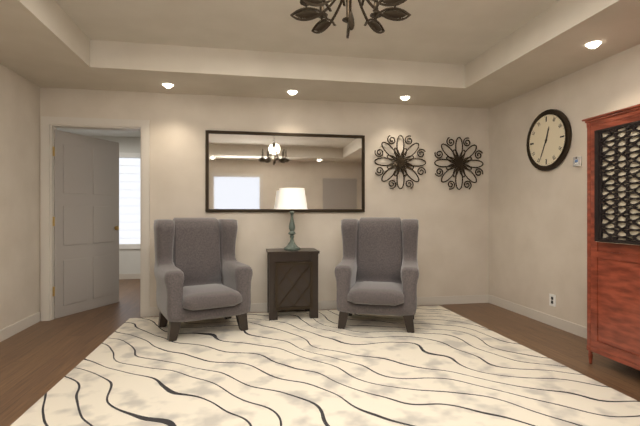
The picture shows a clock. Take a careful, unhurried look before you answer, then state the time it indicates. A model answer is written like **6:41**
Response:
**12:34**
